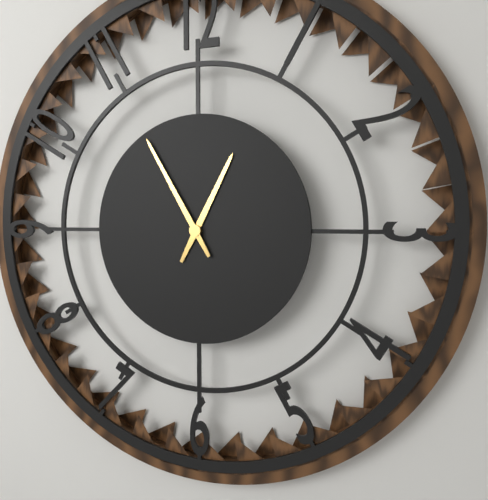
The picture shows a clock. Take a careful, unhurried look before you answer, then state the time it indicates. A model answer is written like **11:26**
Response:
**12:55**
